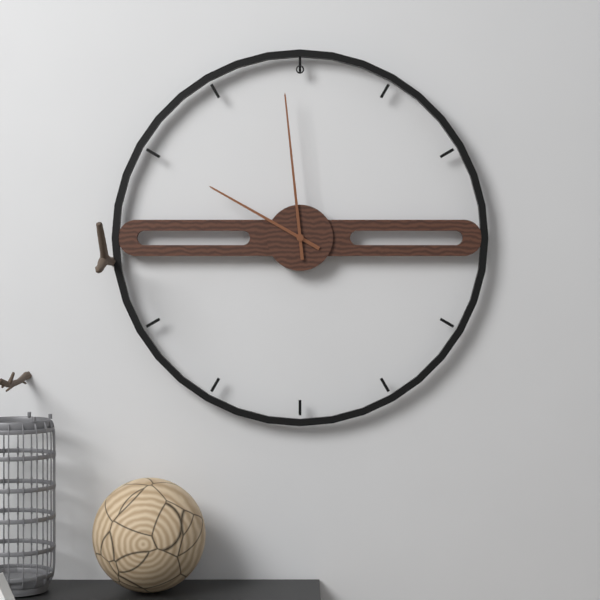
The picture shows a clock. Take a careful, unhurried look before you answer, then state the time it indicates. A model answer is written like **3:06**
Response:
**9:59**
